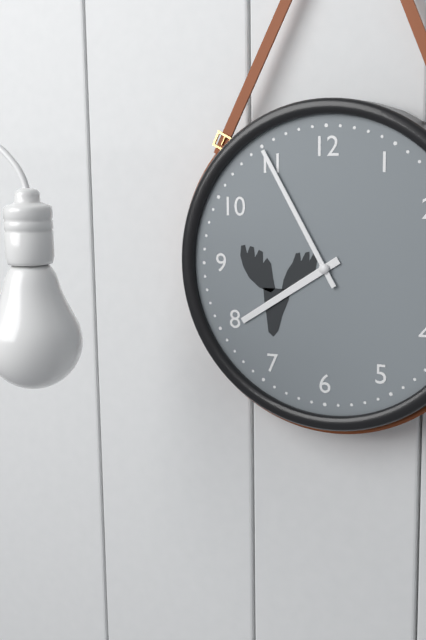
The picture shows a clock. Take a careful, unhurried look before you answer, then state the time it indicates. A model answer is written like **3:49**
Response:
**7:55**
